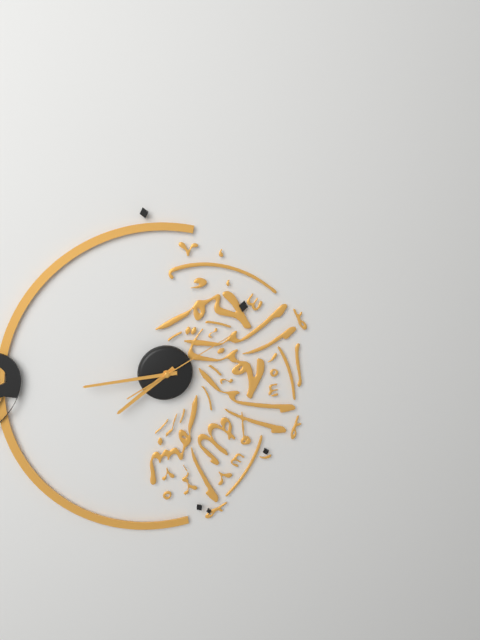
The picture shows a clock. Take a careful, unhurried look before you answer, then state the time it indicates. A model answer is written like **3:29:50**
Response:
**7:44:10**
